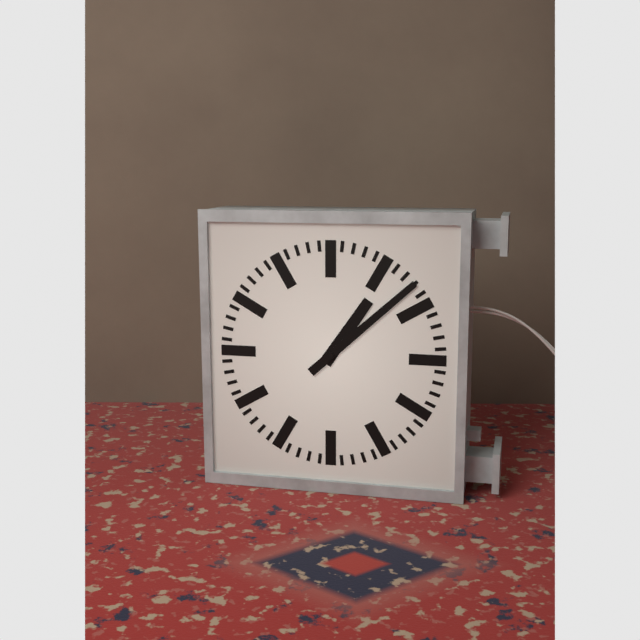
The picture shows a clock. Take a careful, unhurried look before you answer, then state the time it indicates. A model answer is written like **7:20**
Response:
**1:08**
